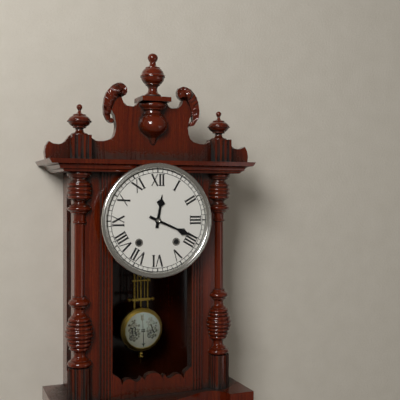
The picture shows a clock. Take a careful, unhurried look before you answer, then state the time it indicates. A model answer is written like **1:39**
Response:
**12:19**
